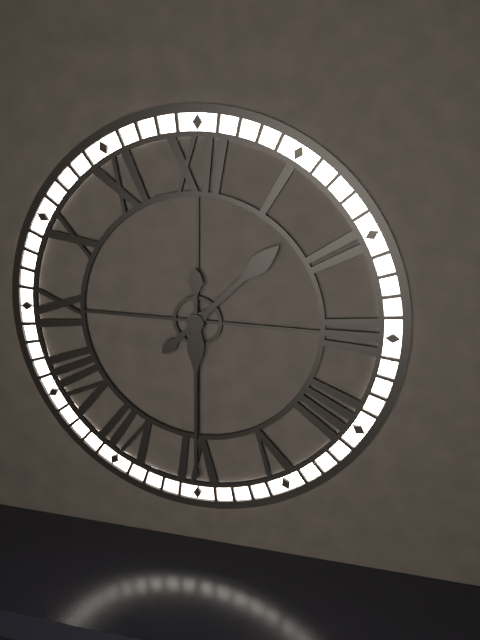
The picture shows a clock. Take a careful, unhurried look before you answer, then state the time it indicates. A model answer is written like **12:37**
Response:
**1:30**
